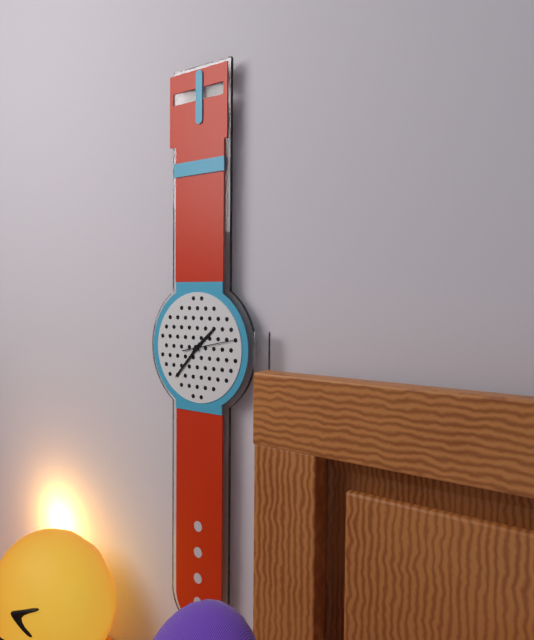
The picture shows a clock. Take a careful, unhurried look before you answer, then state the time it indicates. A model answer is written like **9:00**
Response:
**1:37**
